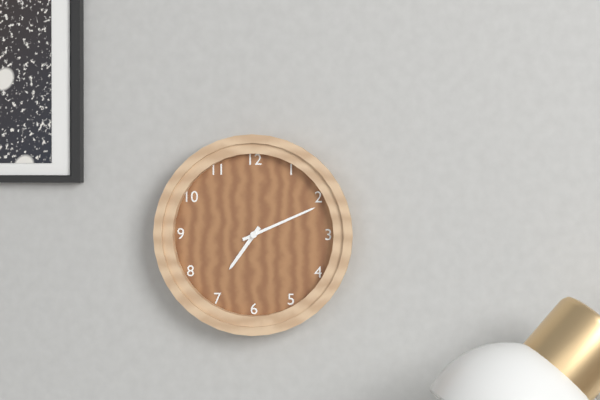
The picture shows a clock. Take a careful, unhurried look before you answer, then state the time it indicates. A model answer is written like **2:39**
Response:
**7:11**
